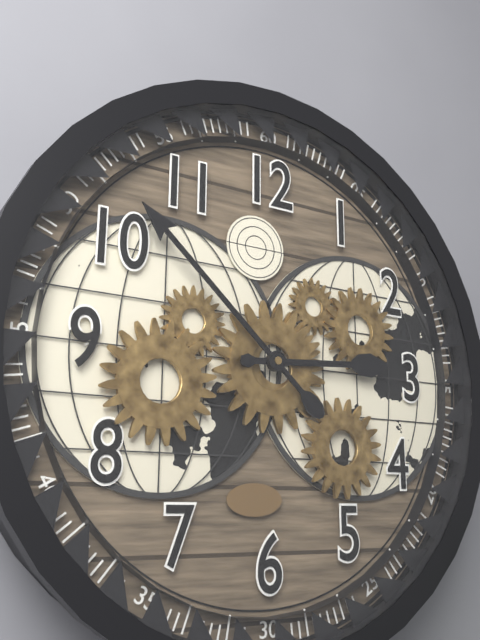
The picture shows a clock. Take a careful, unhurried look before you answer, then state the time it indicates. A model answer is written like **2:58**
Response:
**2:52**
